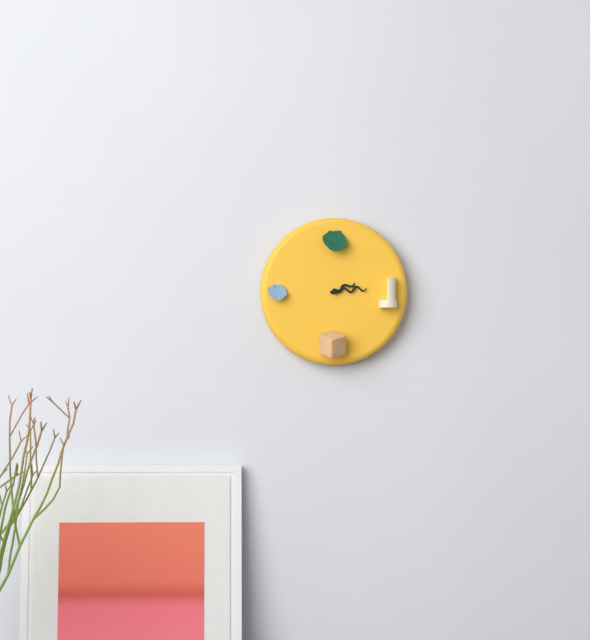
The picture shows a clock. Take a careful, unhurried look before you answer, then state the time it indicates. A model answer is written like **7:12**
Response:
**2:14**
